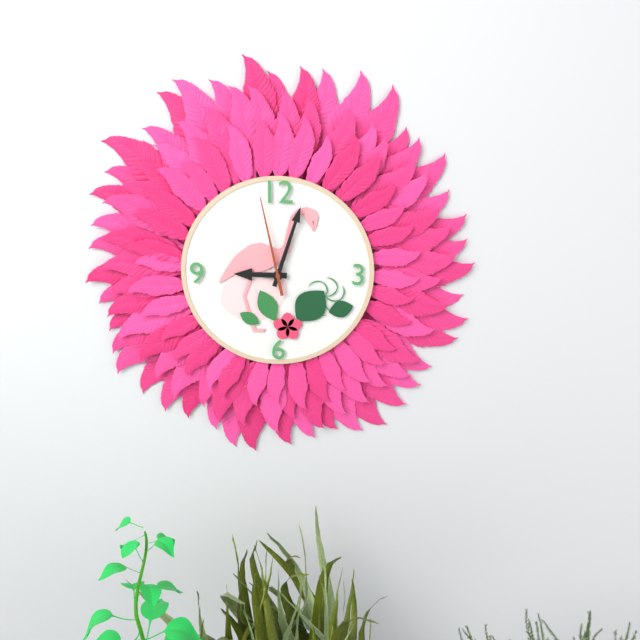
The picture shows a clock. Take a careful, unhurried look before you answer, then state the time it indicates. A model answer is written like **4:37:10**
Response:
**9:03:58**
